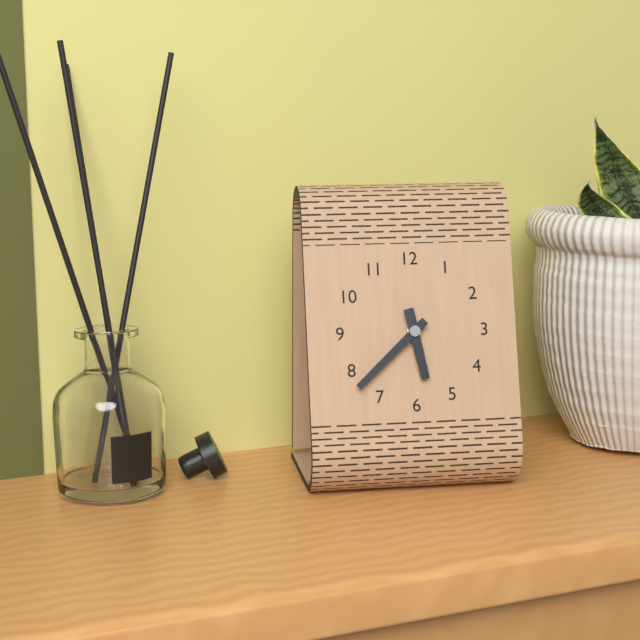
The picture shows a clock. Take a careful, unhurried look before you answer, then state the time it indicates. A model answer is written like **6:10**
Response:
**5:38**
